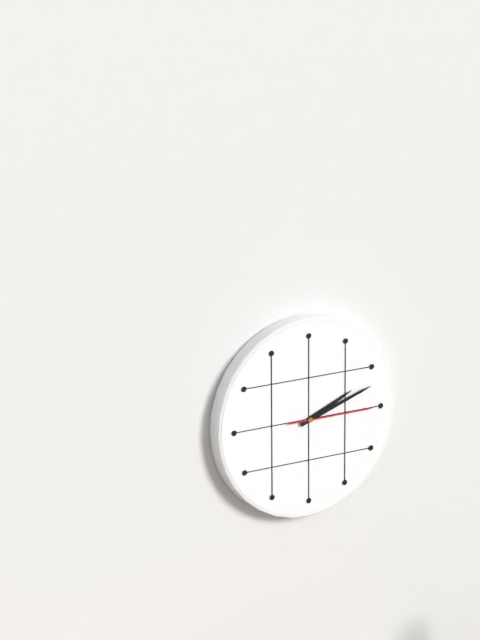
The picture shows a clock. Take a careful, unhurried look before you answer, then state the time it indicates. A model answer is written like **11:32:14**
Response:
**2:12:15**
